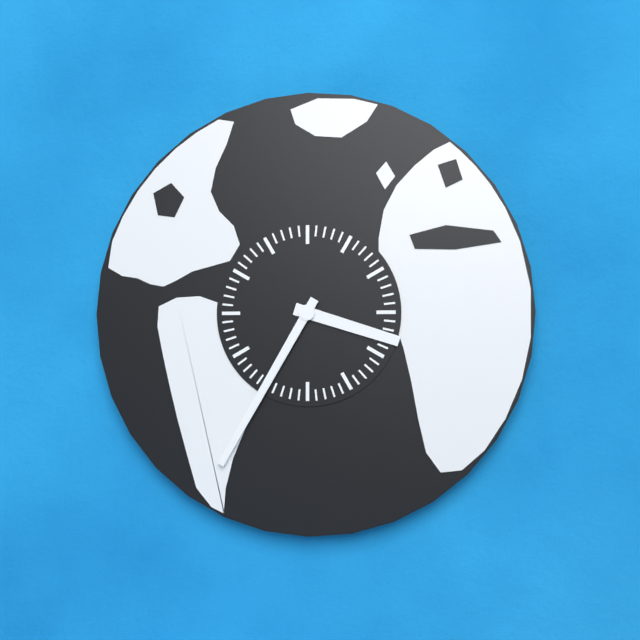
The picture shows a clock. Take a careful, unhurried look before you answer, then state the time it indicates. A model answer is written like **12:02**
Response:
**3:35**
